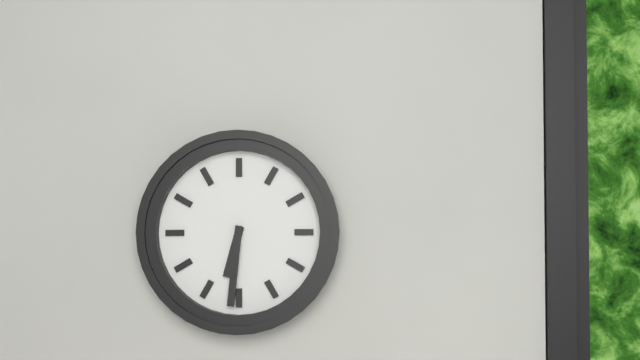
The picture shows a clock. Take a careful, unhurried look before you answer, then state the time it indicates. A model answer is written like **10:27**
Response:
**6:31**
